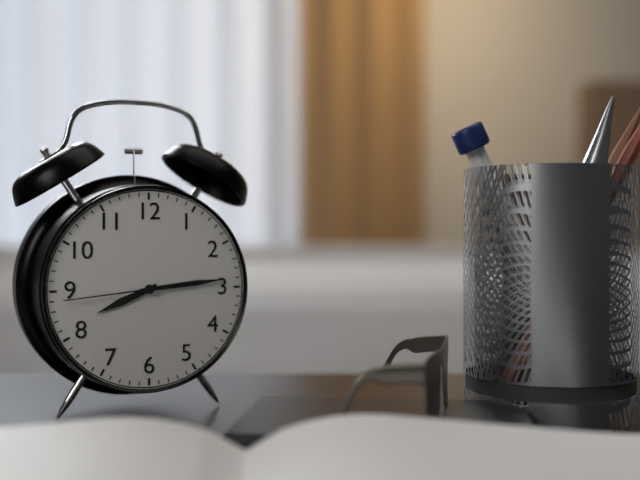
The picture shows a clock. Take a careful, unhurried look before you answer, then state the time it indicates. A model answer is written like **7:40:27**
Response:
**8:14:44**
